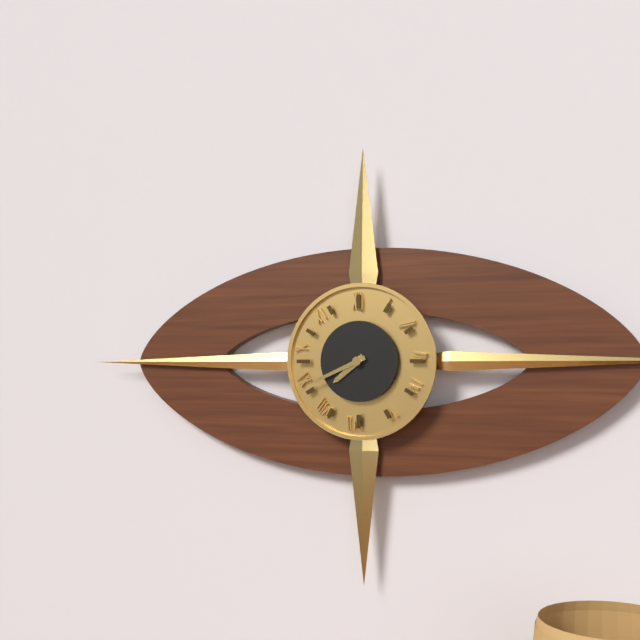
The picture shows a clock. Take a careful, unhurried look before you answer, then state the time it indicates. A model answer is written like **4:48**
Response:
**7:41**
